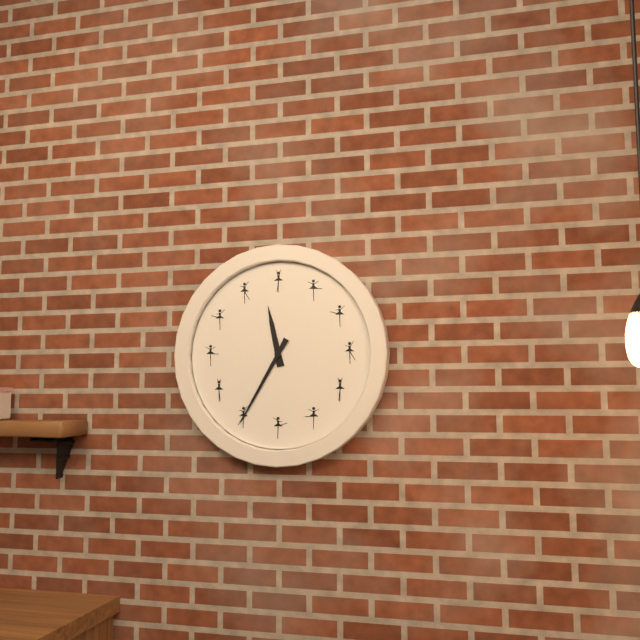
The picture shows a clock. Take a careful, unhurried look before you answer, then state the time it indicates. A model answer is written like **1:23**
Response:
**11:35**
